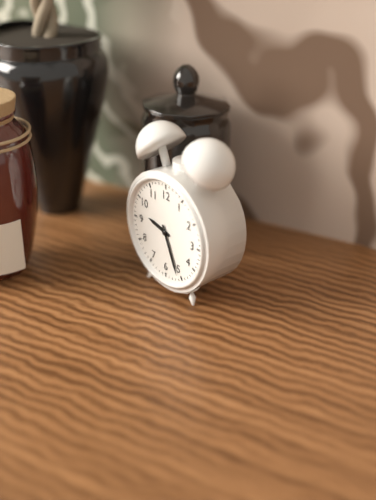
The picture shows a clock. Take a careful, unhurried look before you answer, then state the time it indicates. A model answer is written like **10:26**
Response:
**9:26**
